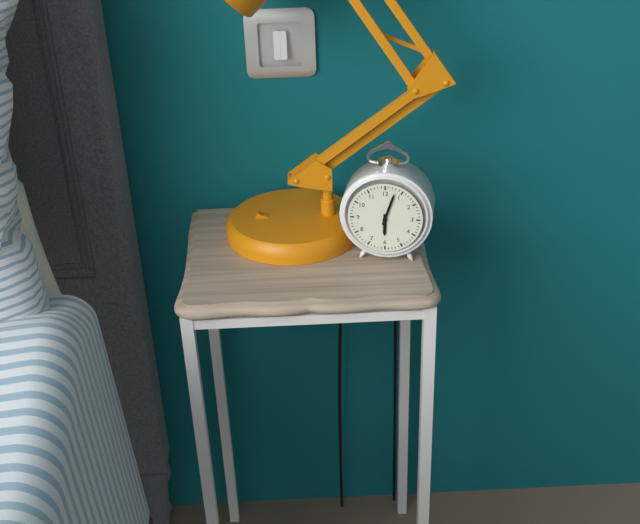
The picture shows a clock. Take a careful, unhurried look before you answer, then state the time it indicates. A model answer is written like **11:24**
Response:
**6:03**
